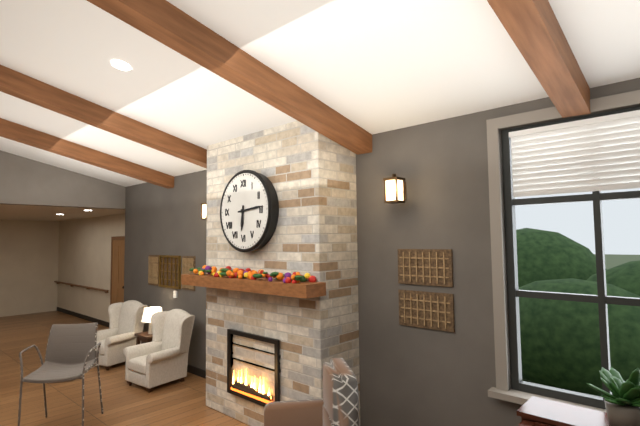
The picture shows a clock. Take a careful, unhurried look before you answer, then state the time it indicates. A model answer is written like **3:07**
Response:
**6:14**
